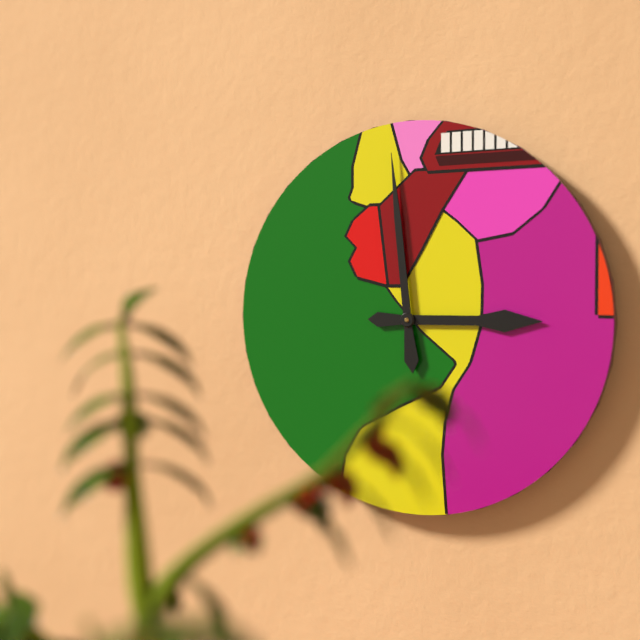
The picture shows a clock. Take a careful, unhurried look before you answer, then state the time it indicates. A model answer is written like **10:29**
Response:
**2:59**
